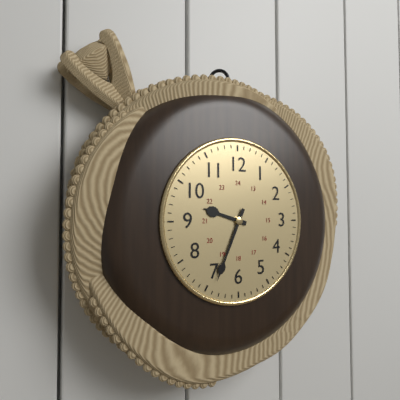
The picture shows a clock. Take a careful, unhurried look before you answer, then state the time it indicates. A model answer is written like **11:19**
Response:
**9:34**
